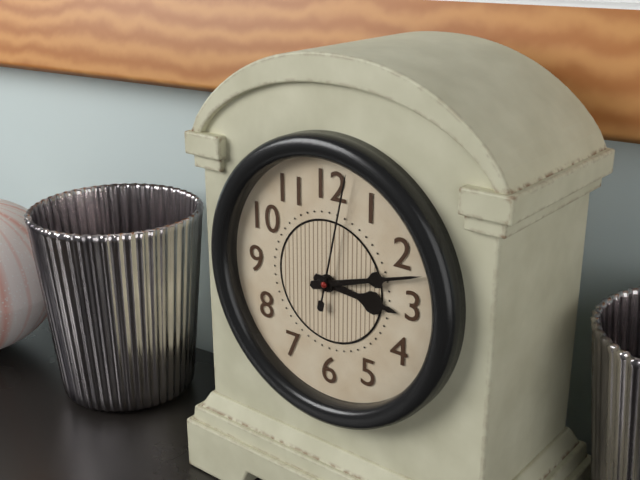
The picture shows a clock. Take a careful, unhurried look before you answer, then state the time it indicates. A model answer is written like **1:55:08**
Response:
**3:12:02**
